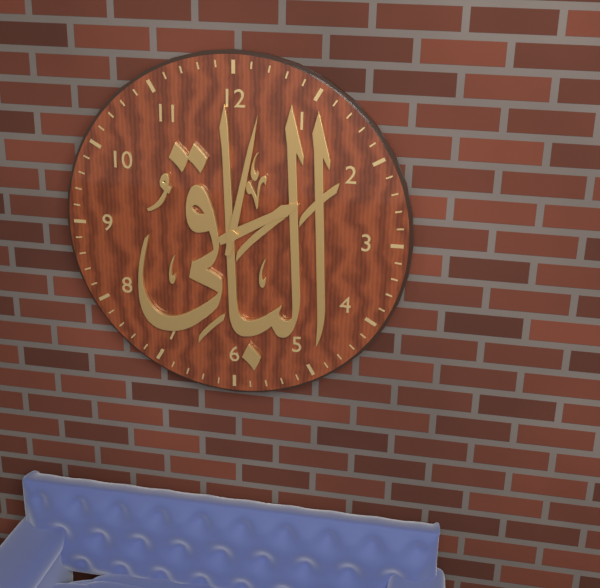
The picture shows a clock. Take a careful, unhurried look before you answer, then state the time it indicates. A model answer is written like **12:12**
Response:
**2:02**
